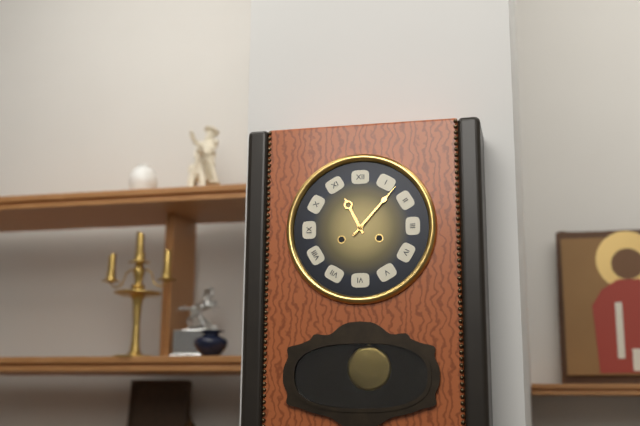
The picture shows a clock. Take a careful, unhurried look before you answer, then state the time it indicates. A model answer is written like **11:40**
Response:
**11:07**
